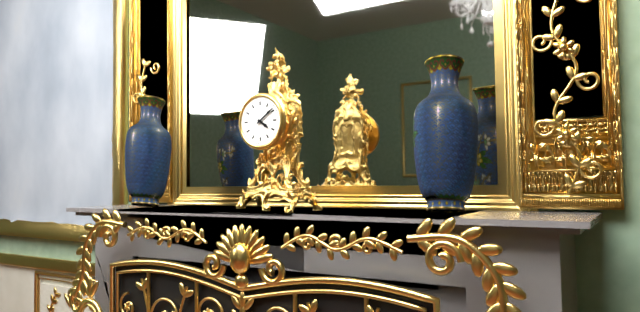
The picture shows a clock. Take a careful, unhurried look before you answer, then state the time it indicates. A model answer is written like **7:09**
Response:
**4:09**
